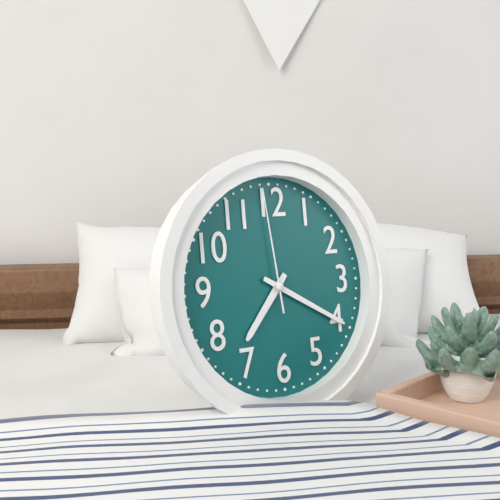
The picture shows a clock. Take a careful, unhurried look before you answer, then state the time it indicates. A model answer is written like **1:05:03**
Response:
**7:20:59**
